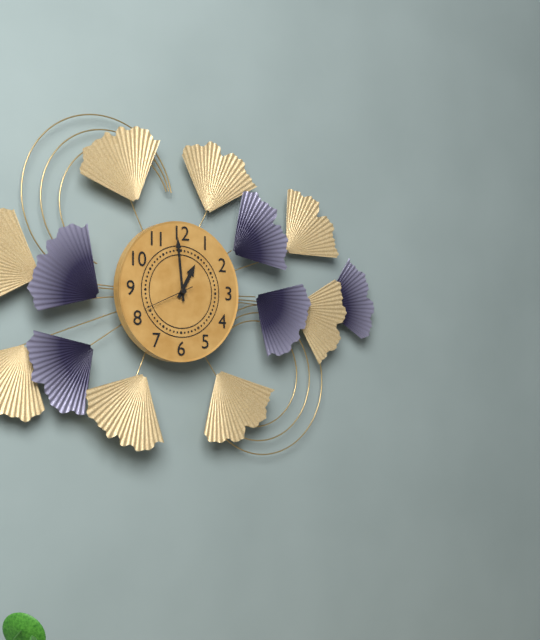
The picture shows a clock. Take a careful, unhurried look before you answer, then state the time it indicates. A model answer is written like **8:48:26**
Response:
**12:59:41**
